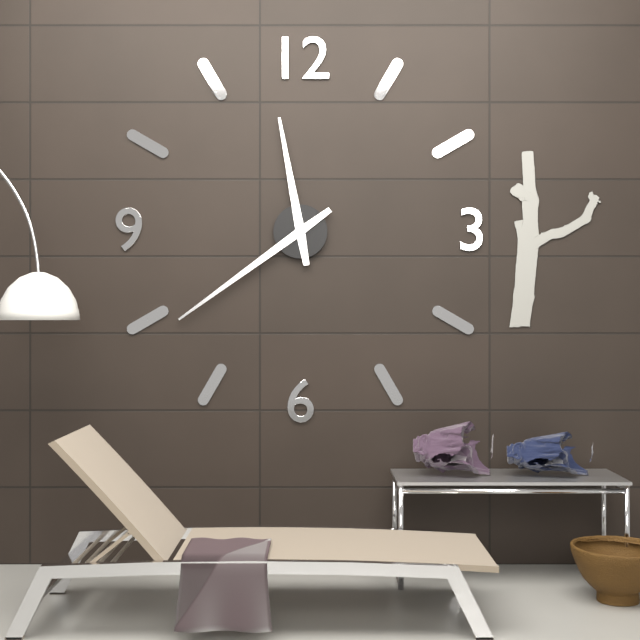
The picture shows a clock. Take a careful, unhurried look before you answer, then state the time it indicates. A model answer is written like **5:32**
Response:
**11:39**
